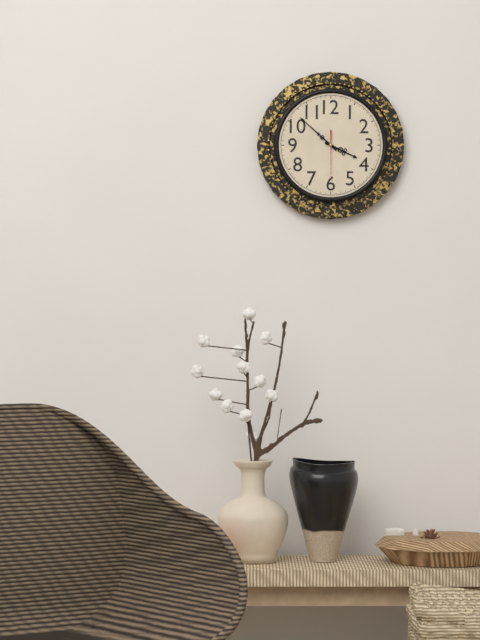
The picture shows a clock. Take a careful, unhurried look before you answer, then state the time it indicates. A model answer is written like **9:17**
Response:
**3:52**
